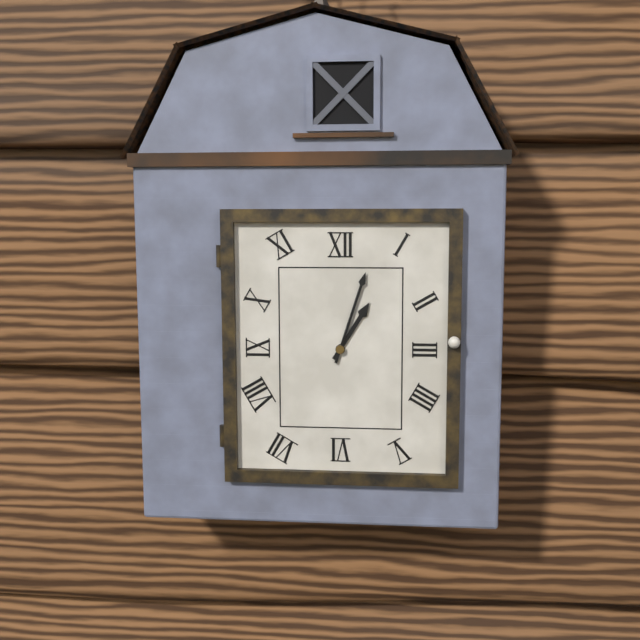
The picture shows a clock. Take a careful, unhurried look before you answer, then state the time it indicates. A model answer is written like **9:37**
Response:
**1:03**
